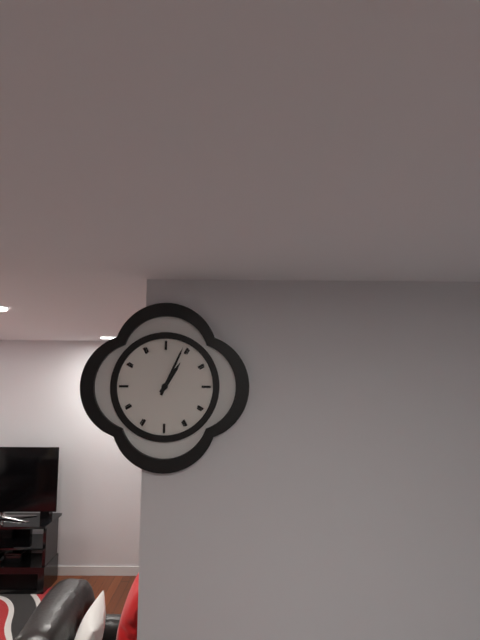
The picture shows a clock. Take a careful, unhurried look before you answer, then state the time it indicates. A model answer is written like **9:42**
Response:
**1:04**
